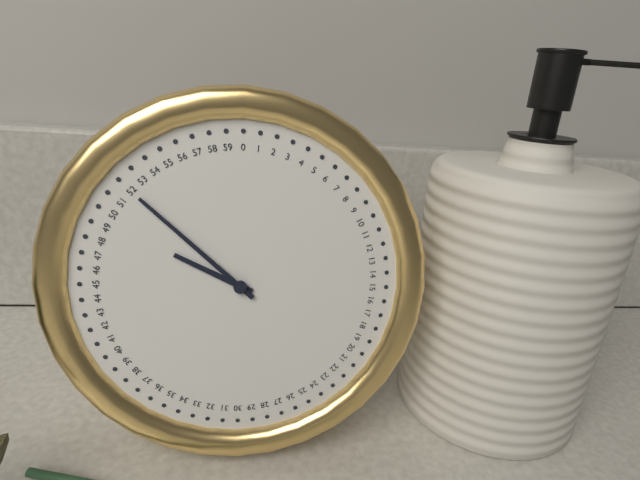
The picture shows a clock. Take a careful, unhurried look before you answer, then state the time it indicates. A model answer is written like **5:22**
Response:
**9:52**
